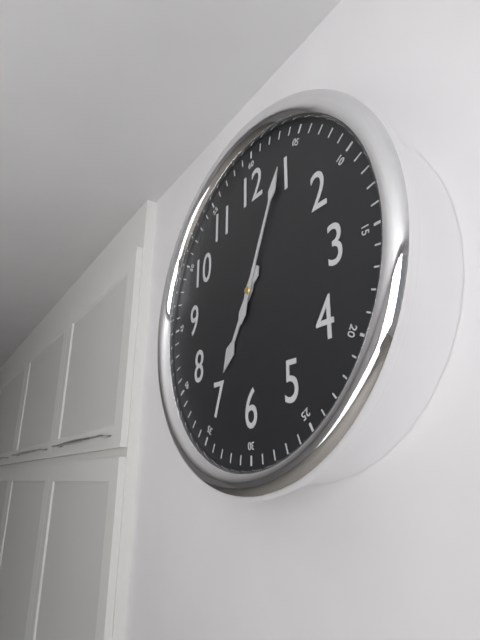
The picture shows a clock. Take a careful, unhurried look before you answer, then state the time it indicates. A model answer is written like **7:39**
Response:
**7:04**
